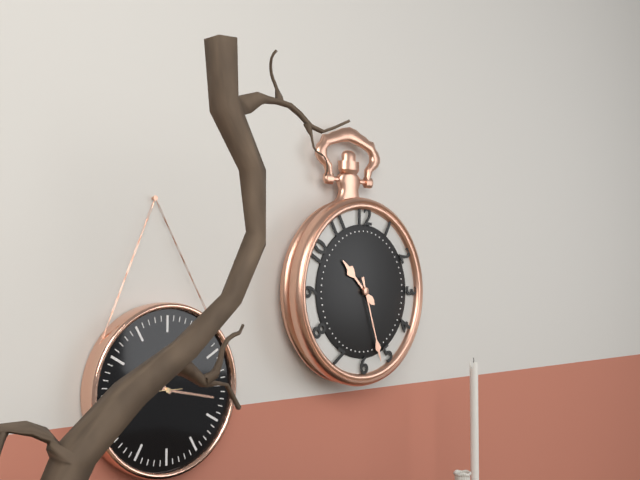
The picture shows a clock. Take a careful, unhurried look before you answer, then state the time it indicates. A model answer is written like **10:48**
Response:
**10:27**
